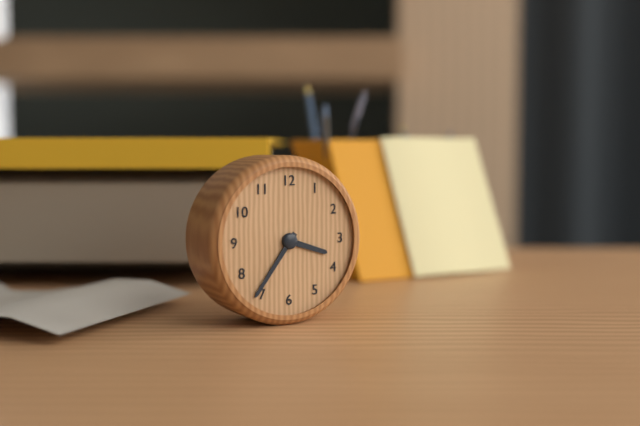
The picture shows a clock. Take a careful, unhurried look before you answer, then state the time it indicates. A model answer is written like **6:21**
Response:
**3:36**
